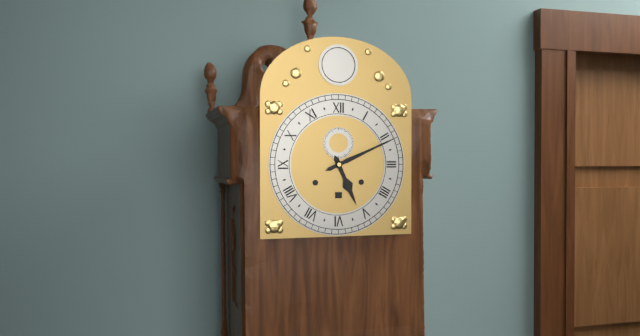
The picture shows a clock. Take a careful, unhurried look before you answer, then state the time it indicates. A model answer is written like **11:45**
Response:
**5:11**
